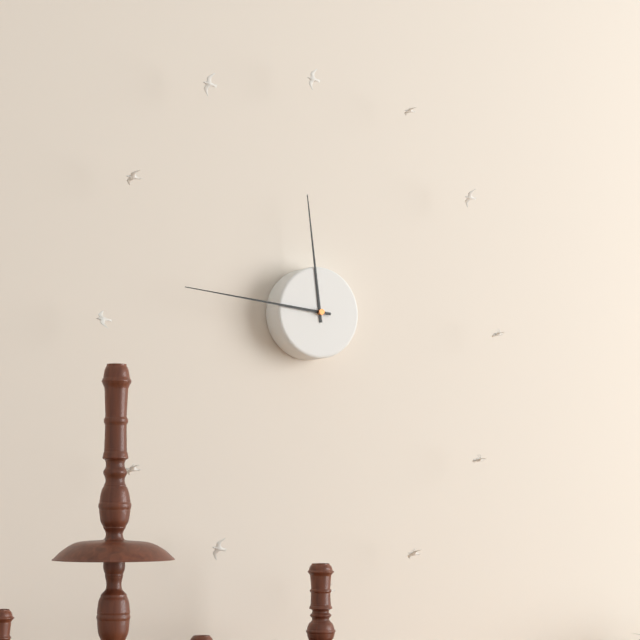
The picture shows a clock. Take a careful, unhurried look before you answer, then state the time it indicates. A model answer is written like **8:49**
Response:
**11:46**
